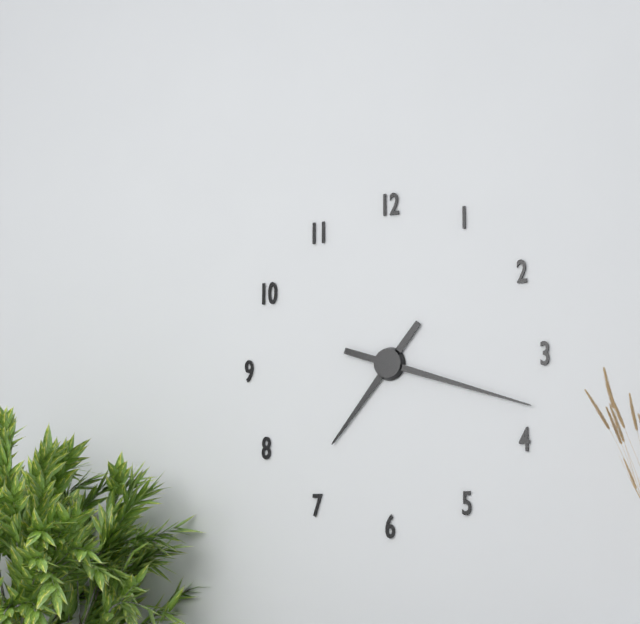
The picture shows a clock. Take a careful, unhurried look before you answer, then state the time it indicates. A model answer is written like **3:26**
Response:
**7:18**
